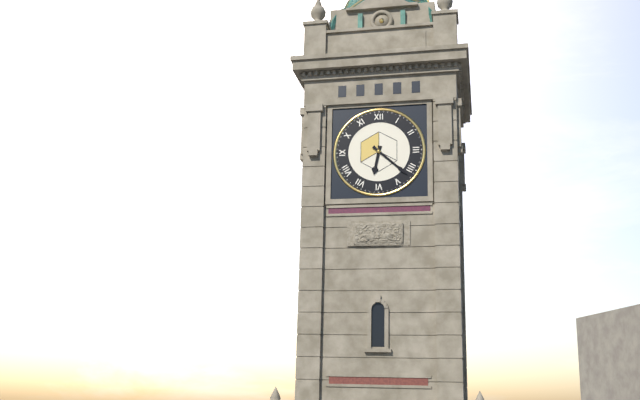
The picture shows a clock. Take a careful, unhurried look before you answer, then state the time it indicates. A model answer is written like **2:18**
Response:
**6:22**
